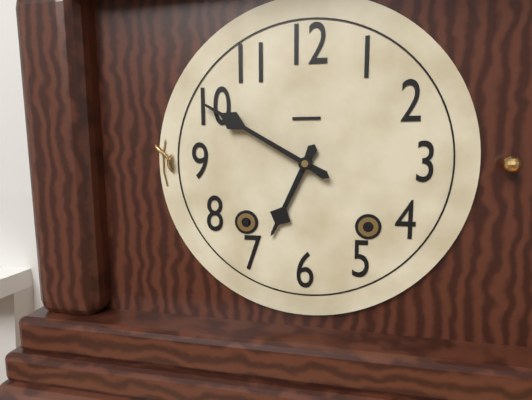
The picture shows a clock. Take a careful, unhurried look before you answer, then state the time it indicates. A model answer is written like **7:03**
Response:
**6:50**
